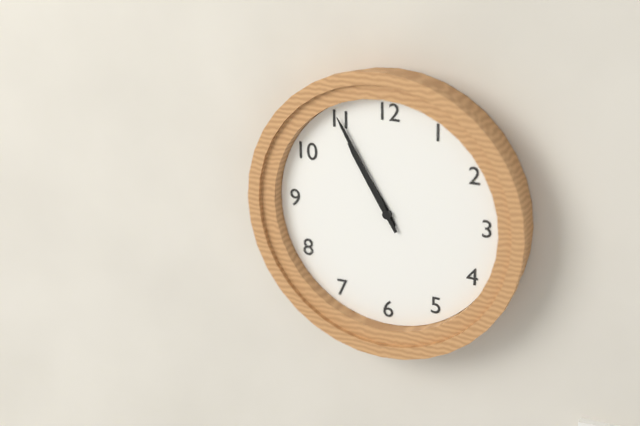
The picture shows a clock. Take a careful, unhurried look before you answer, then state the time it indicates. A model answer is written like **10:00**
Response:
**10:55**
